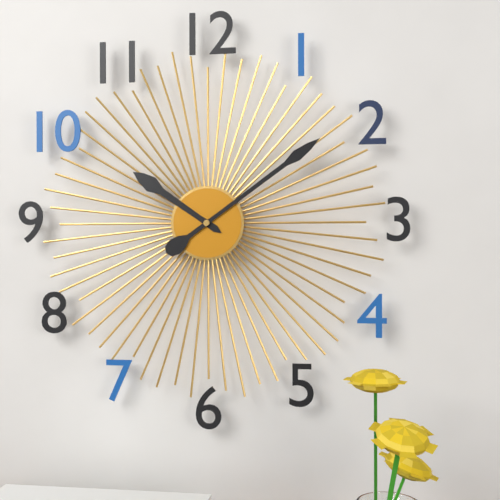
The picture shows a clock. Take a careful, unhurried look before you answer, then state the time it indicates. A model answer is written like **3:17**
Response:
**10:09**
